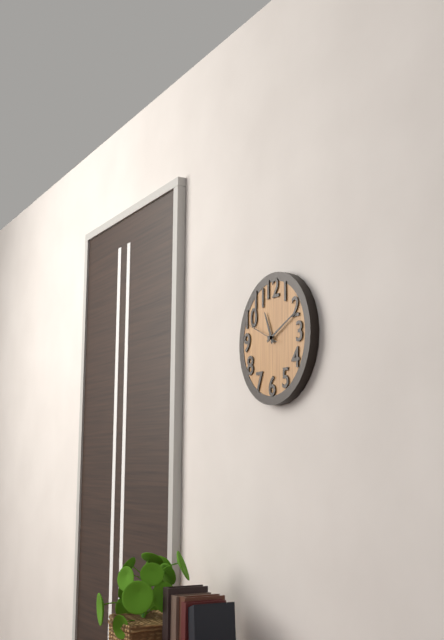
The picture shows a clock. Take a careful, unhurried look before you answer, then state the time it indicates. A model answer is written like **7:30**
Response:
**11:11**
